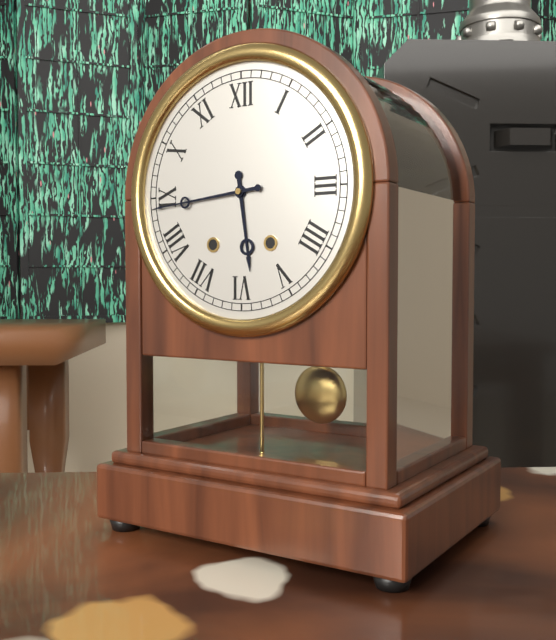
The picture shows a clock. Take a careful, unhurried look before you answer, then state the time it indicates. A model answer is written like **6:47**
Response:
**5:44**
